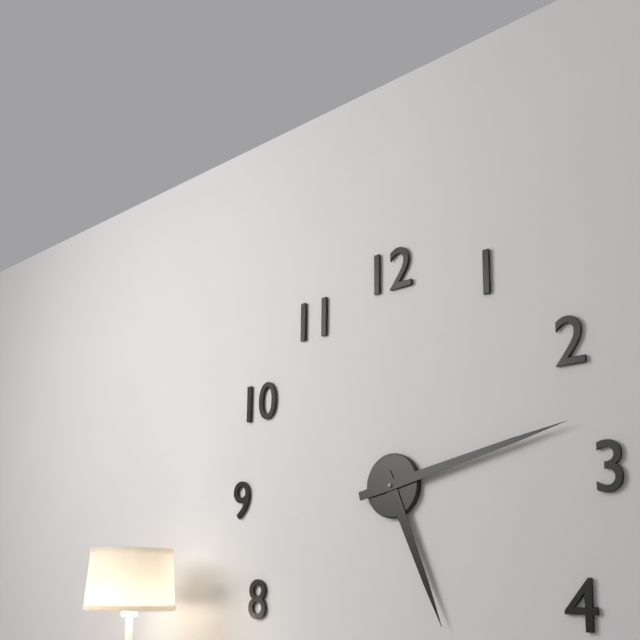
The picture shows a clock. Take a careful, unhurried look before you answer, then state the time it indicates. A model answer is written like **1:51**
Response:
**5:13**
